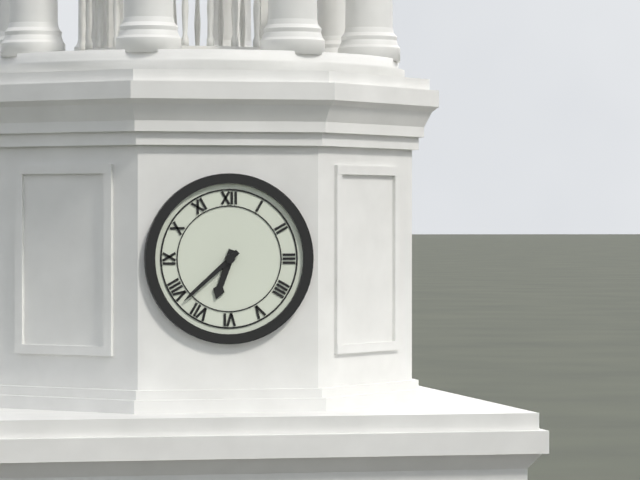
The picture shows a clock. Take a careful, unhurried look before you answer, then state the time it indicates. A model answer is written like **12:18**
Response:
**6:38**
